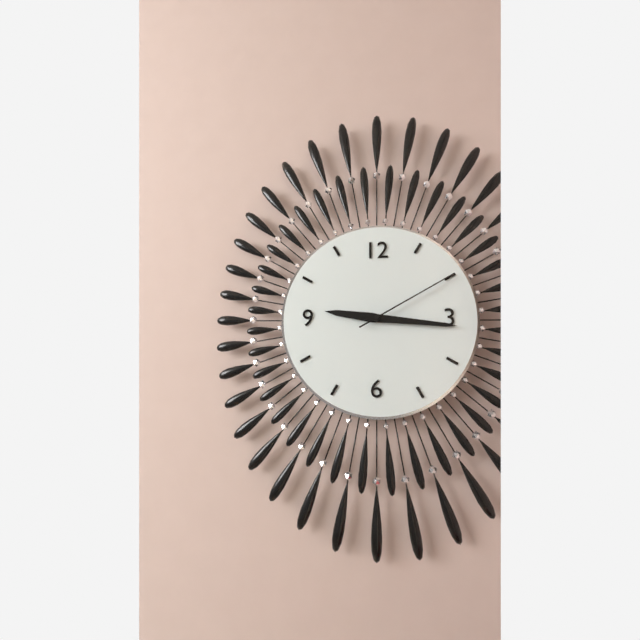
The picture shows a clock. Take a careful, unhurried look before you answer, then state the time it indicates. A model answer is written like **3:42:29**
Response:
**9:16:10**
